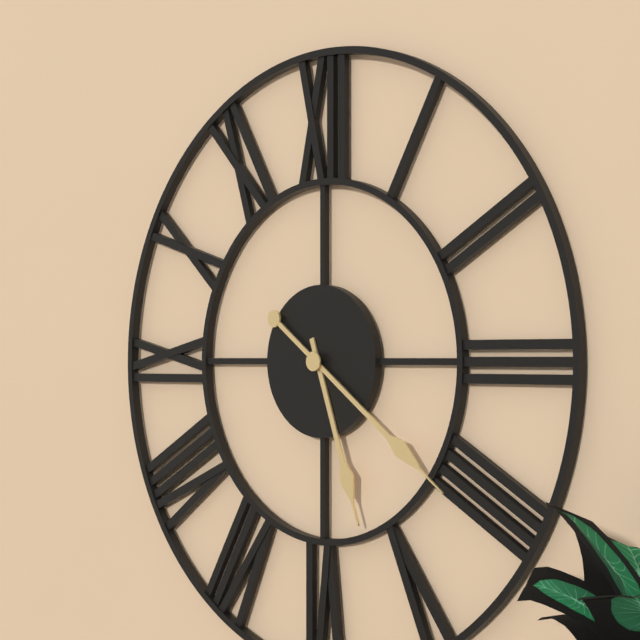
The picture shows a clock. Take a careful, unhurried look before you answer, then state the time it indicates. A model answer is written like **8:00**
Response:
**5:21**
